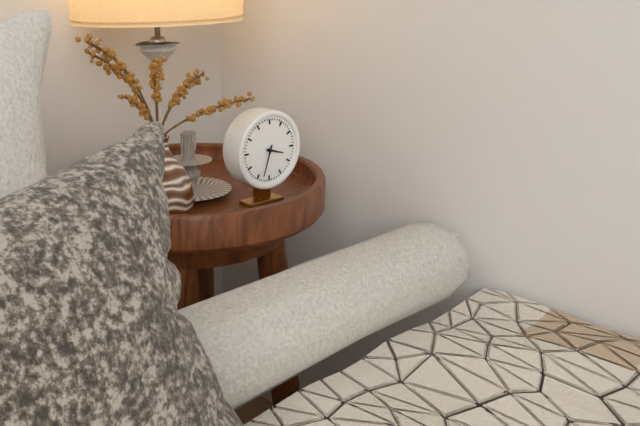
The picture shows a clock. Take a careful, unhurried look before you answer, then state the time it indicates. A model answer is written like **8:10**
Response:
**3:33**
